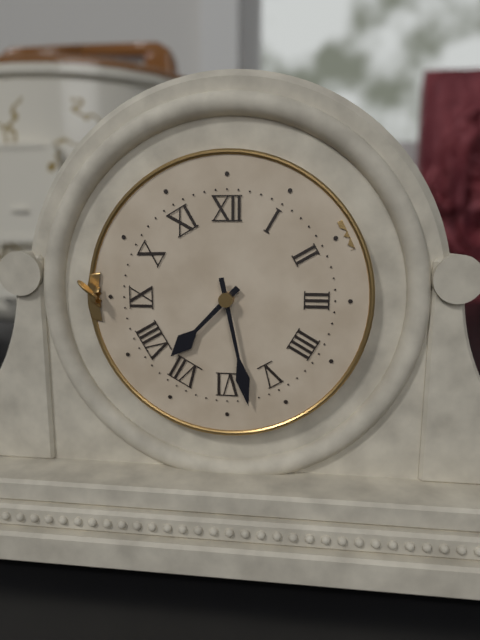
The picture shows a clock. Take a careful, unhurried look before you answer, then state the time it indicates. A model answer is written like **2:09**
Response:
**7:28**
